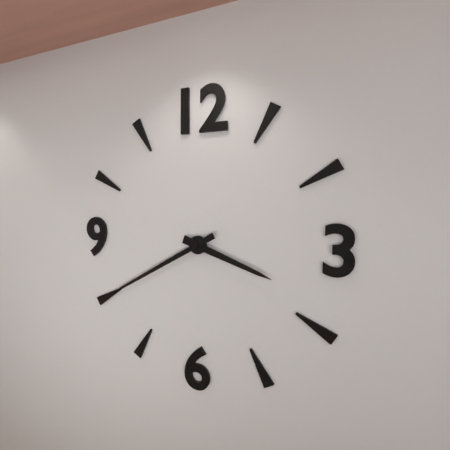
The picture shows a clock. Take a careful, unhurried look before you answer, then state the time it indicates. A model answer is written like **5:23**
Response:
**3:40**
